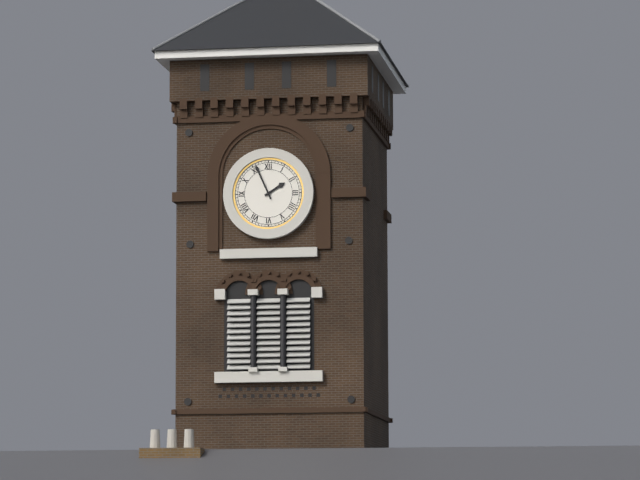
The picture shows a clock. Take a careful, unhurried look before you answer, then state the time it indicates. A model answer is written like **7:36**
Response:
**1:56**
